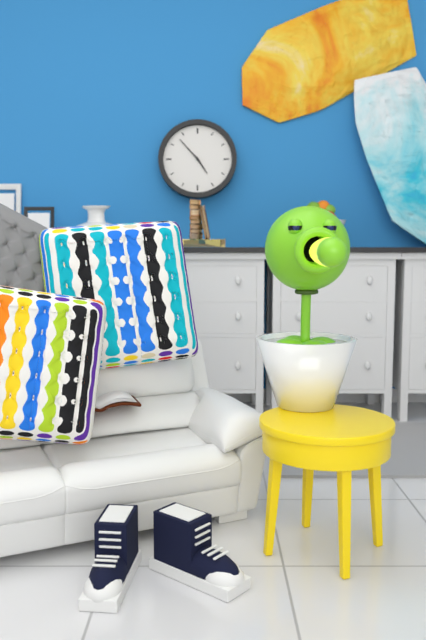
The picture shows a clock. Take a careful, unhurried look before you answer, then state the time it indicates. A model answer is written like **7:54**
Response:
**4:53**
